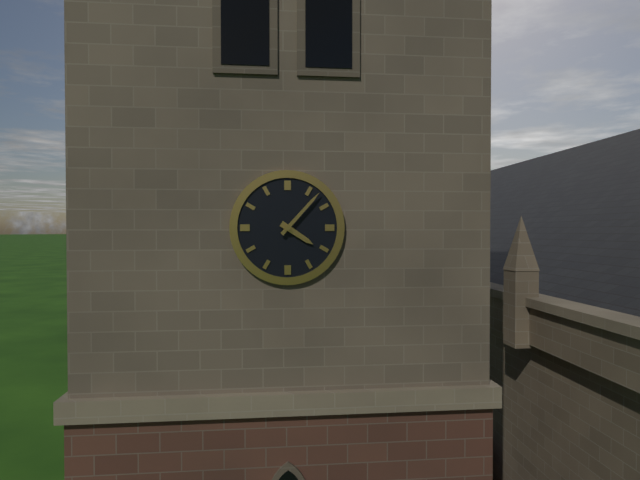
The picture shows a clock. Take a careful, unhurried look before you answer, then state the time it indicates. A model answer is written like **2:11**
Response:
**4:07**
